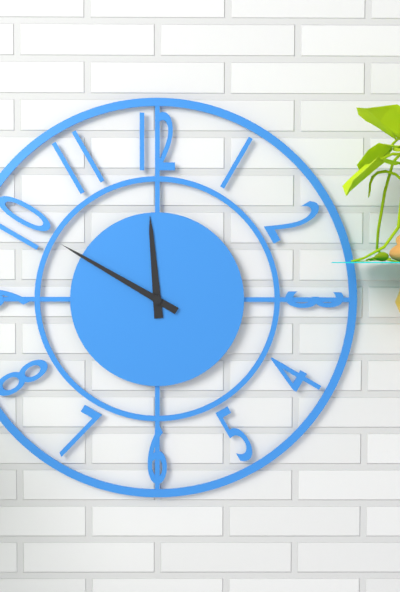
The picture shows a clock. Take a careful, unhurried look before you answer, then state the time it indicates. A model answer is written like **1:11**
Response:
**11:50**
